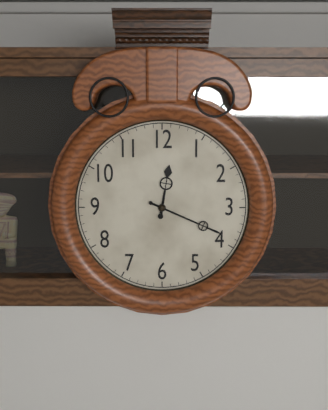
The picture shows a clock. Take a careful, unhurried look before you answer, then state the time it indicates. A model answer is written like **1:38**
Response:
**12:19**
